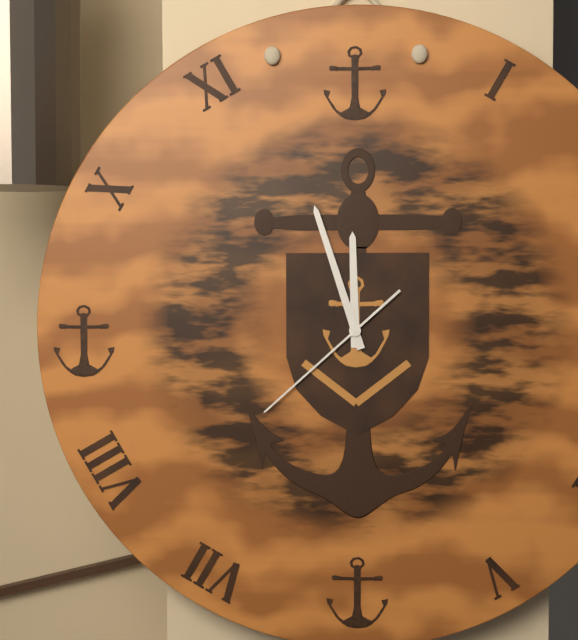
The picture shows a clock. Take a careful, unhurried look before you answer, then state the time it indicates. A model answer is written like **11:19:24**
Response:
**11:57:38**
